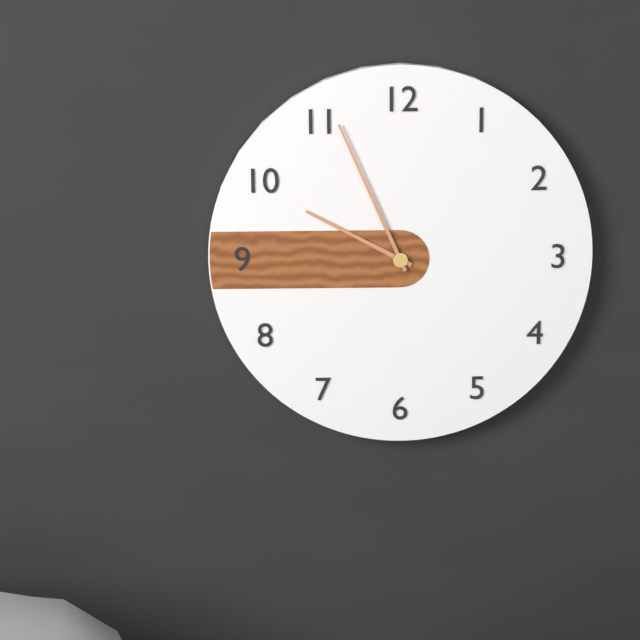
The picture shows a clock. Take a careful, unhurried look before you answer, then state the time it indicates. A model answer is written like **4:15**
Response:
**9:56**
